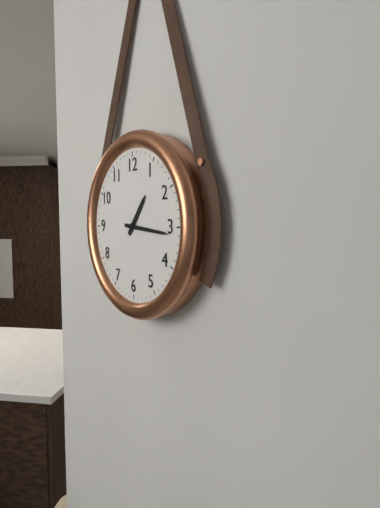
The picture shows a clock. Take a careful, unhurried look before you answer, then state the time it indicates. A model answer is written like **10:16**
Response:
**1:16**
